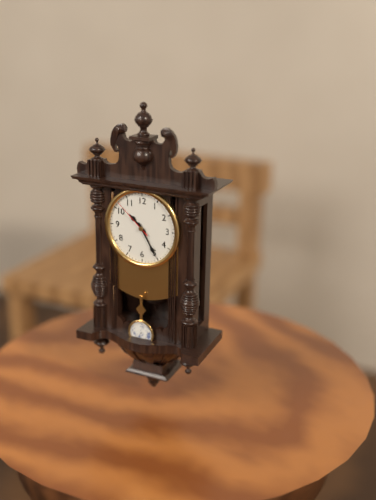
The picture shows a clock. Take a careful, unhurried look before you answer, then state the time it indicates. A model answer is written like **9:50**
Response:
**10:25**
